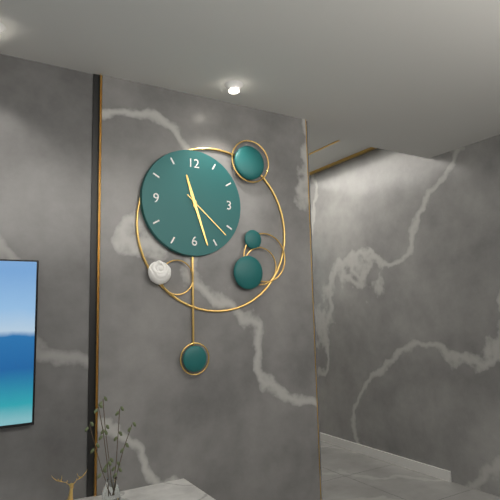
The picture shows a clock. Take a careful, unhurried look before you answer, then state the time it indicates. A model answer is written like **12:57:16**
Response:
**11:27:22**
